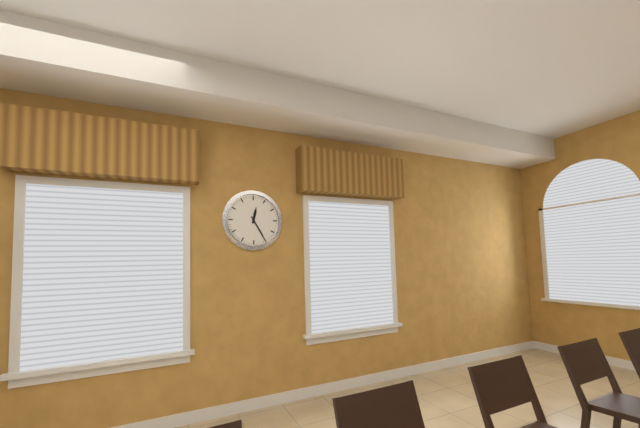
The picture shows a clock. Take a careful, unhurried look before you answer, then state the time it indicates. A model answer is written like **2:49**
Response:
**12:25**
